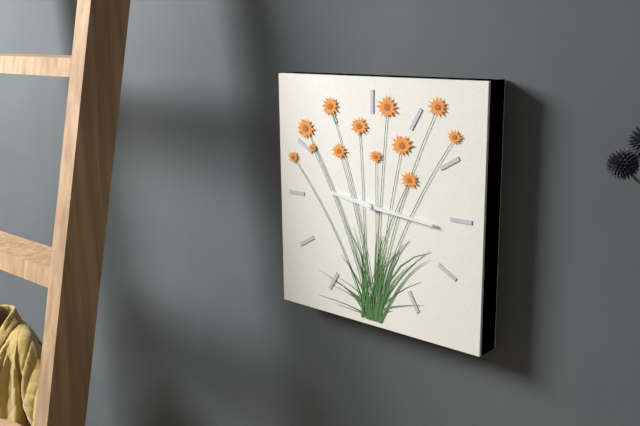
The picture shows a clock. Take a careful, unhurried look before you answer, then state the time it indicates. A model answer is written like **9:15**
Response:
**9:16**
